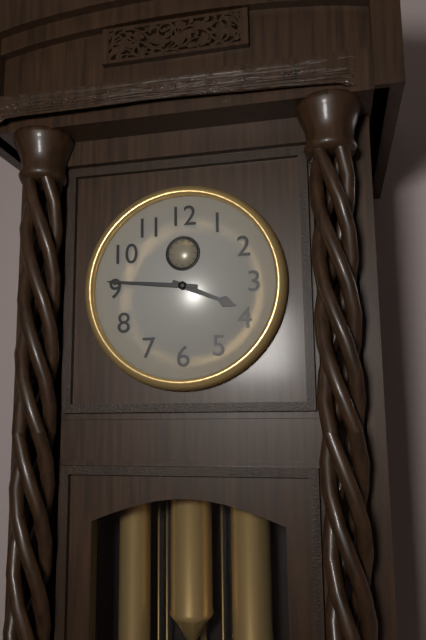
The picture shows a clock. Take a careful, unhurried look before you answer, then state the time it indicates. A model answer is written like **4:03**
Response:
**3:46**
